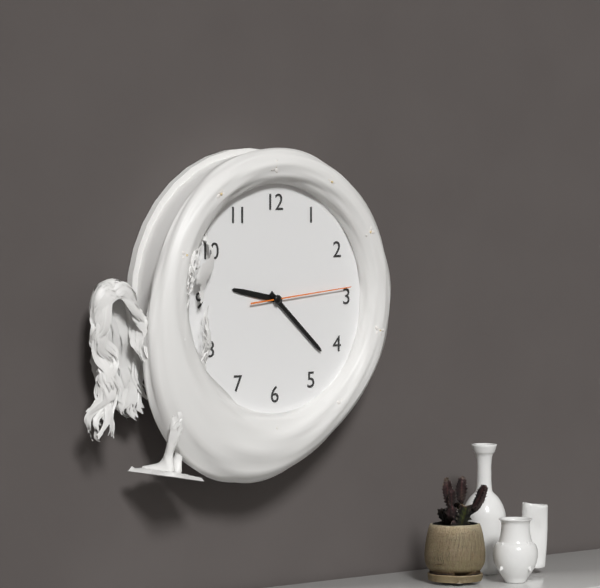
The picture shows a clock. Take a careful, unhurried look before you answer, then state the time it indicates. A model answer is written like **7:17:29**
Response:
**9:22:14**
